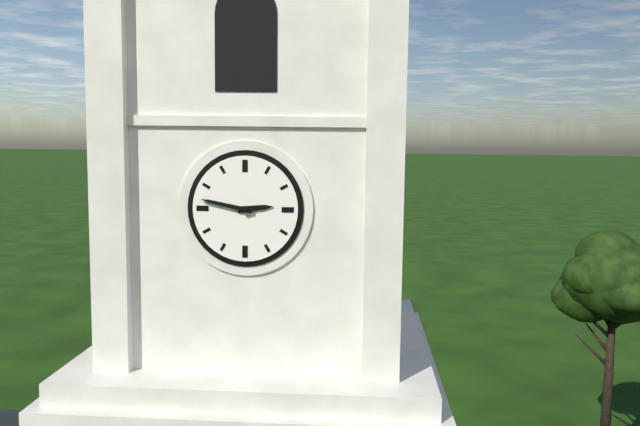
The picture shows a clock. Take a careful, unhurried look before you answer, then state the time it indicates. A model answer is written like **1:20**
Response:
**2:47**
